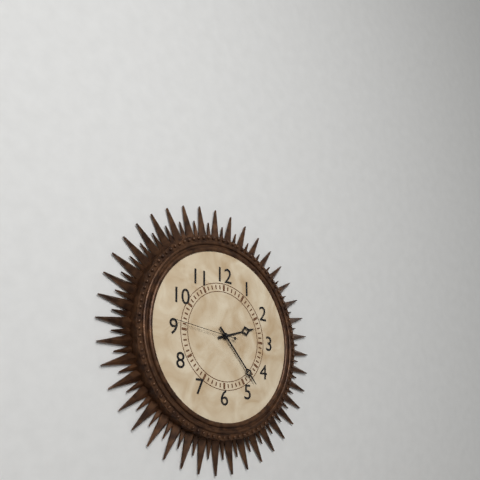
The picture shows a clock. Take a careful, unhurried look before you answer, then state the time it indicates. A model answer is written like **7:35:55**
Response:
**2:23:46**
